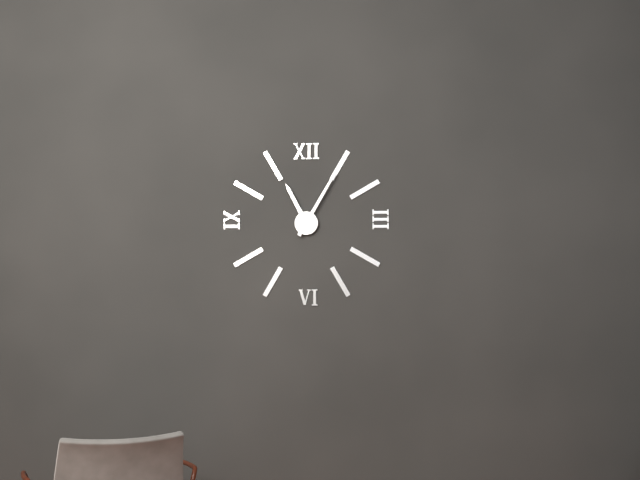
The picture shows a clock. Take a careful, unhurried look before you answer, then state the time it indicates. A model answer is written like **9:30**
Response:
**11:05**
